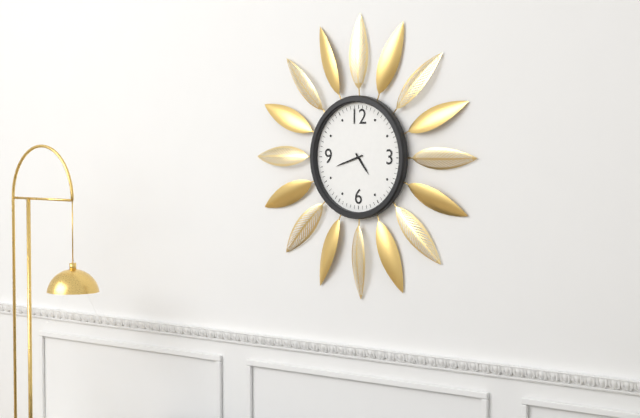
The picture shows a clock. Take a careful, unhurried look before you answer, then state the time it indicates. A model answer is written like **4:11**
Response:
**4:42**
